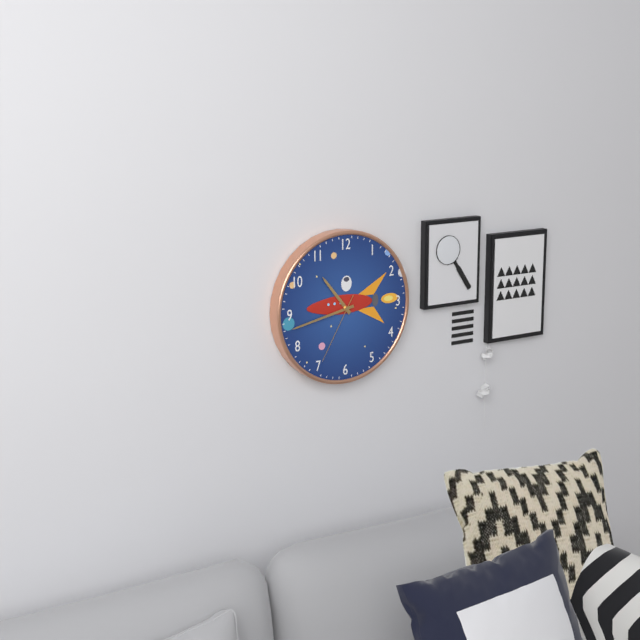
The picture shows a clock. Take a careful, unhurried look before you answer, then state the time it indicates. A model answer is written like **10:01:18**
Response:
**10:43:35**
